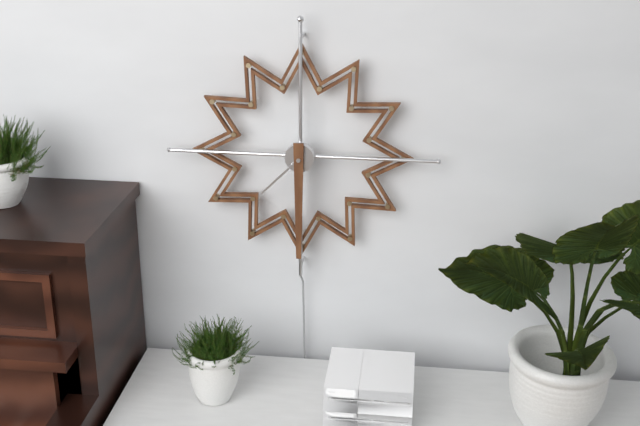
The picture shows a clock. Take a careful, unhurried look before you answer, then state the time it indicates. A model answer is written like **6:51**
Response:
**7:30**
